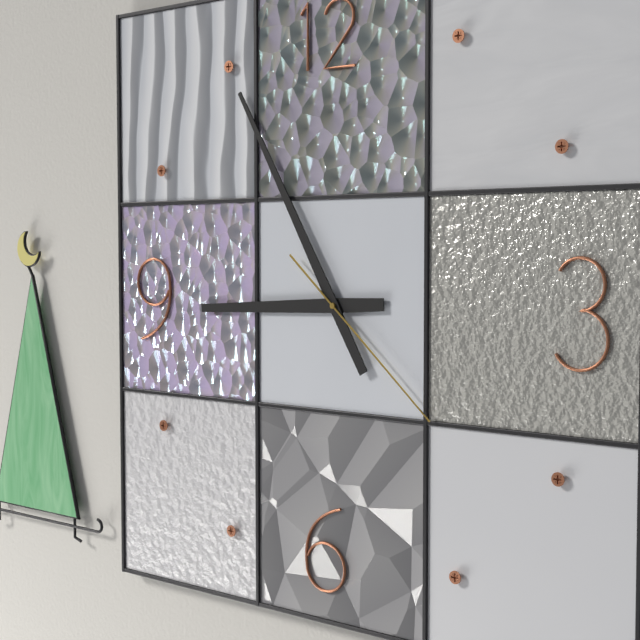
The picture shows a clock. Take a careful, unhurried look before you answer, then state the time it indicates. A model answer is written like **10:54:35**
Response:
**8:55:22**
